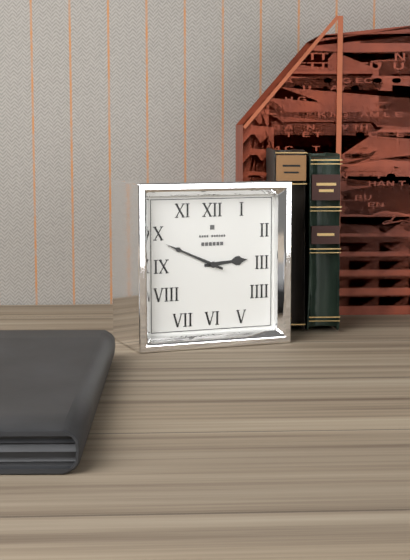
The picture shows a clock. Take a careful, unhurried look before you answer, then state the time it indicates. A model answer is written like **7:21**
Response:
**2:49**
